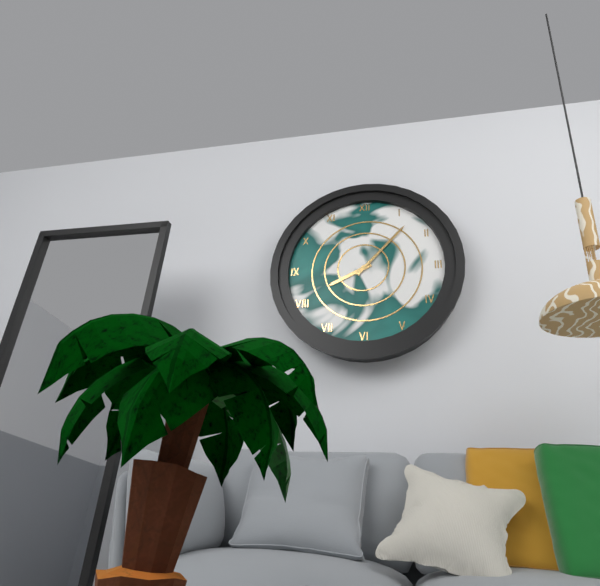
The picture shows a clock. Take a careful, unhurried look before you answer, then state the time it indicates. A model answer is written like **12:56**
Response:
**8:07**
